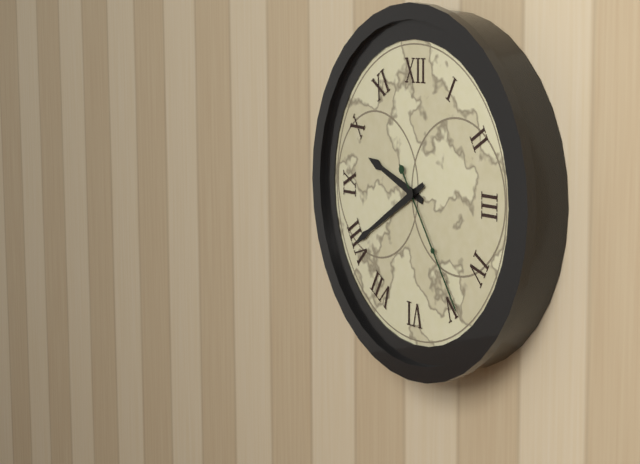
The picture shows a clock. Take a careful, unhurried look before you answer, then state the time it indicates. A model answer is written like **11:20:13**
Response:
**9:40:24**
